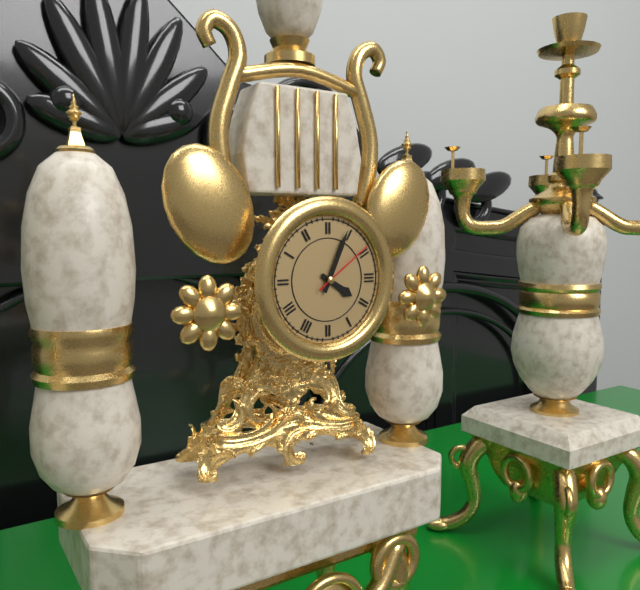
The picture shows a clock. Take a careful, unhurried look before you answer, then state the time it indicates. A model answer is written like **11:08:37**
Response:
**4:04:09**
